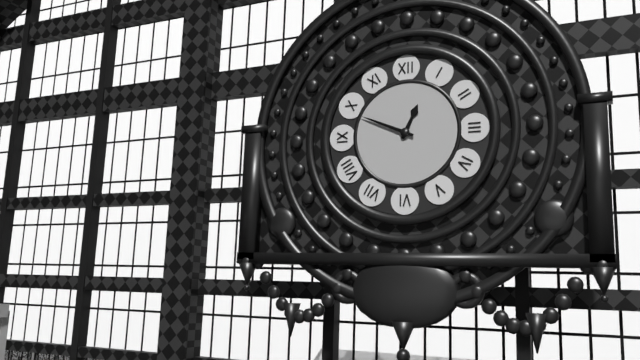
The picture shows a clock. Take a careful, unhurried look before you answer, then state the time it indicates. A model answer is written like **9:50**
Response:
**12:49**
